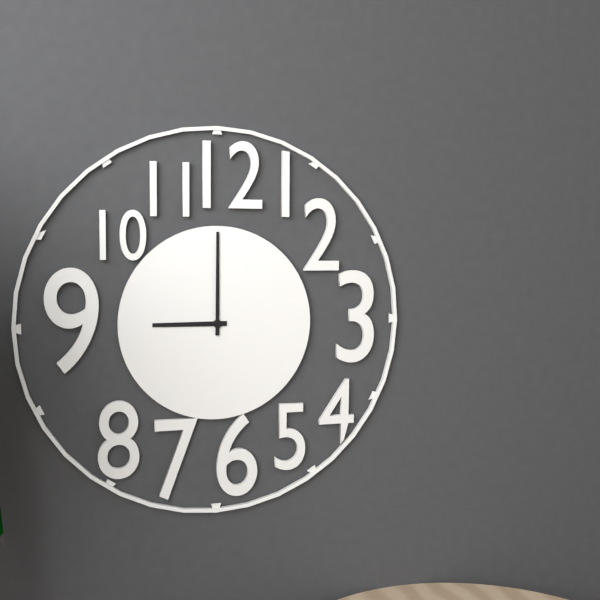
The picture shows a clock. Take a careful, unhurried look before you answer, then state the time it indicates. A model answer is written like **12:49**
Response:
**9:00**
